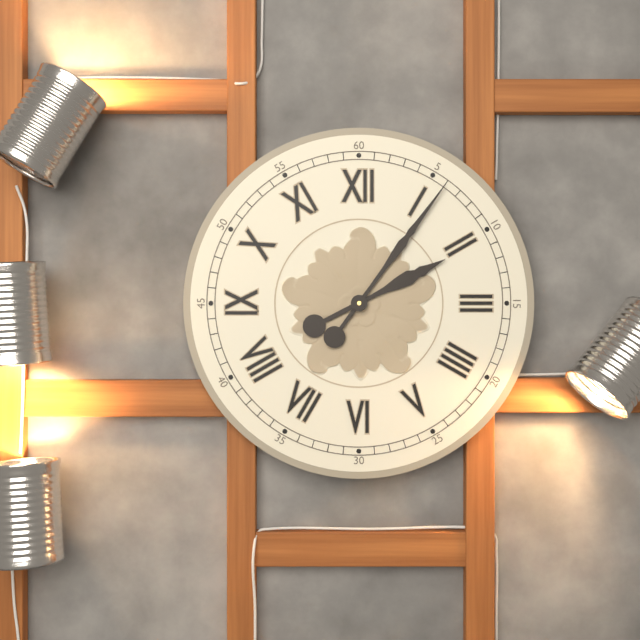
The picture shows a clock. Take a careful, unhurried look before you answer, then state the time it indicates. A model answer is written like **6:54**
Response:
**2:06**
